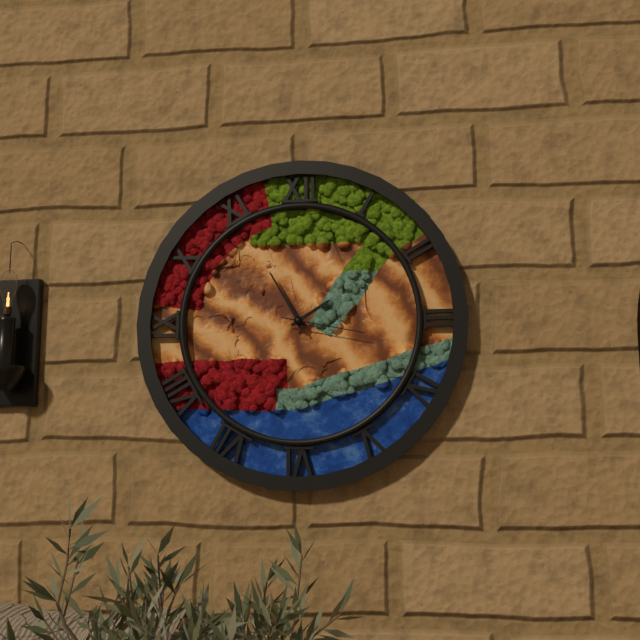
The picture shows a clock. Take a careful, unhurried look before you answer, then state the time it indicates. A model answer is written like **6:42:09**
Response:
**1:55:17**
